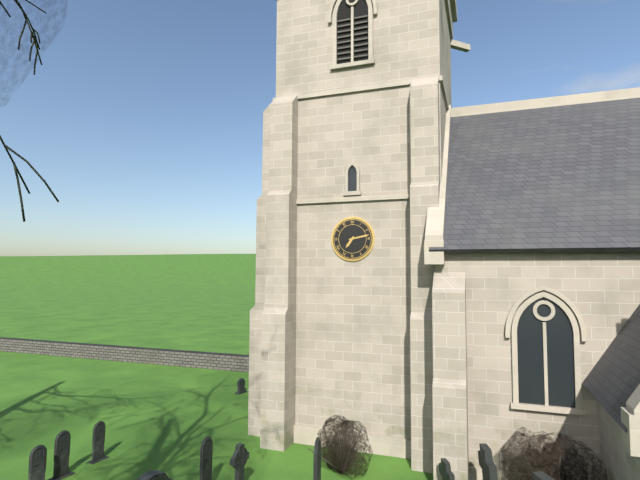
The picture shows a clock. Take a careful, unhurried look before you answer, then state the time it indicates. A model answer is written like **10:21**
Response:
**7:13**
